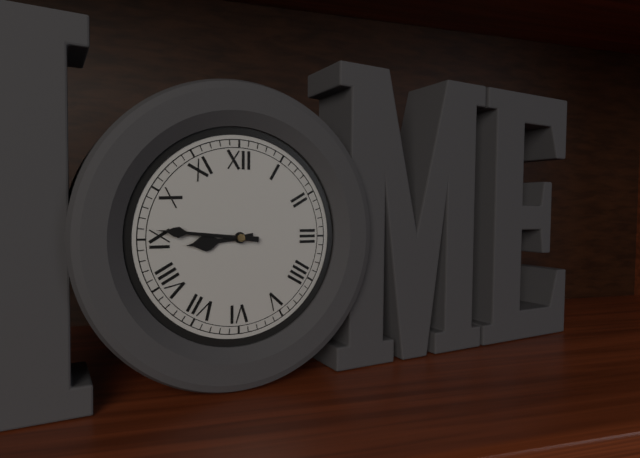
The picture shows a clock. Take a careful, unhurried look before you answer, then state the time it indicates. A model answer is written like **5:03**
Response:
**8:46**
